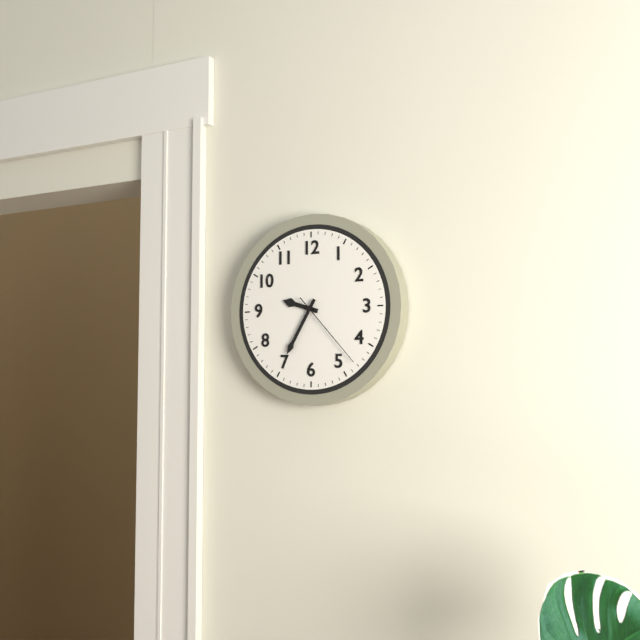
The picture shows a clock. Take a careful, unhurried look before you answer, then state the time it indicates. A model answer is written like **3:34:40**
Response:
**9:35:23**
